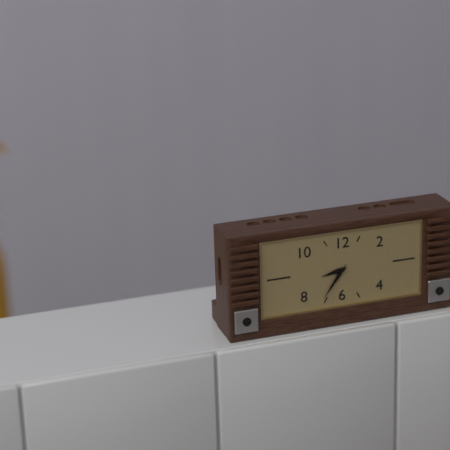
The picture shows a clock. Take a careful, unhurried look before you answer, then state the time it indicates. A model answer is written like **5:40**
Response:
**8:36**
